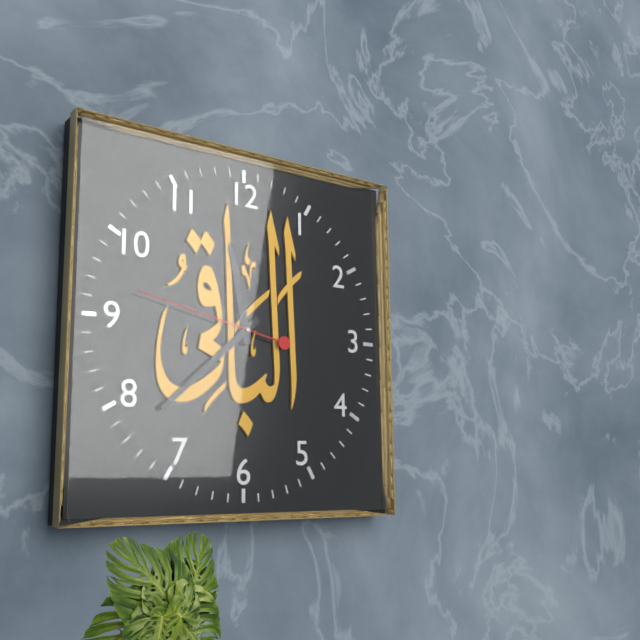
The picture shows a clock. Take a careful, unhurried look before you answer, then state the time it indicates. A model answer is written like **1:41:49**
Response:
**11:38:47**
